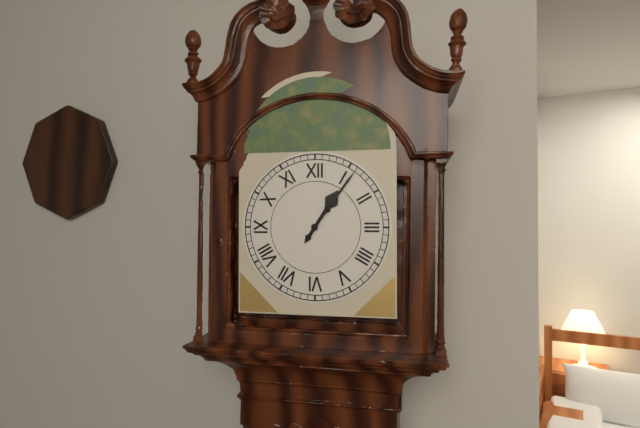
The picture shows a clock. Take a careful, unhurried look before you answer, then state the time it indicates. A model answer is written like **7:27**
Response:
**1:06**
